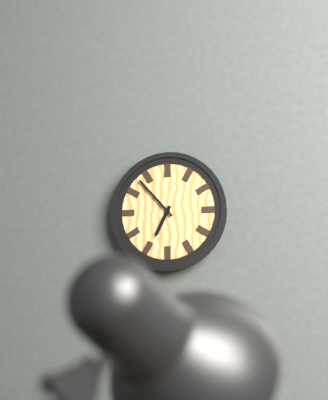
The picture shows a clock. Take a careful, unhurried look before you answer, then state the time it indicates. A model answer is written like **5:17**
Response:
**6:53**
